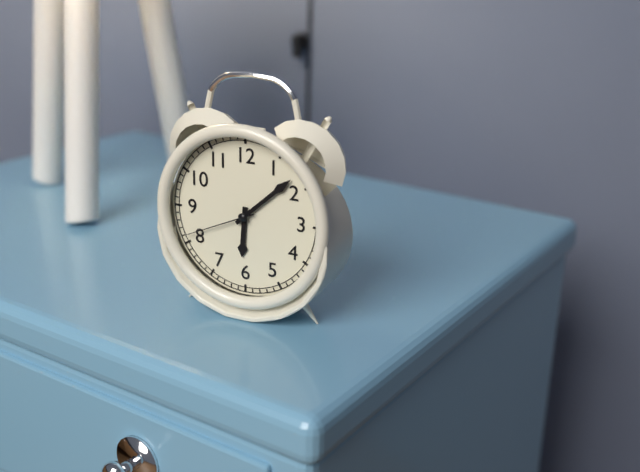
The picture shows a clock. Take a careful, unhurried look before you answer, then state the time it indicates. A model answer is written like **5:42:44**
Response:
**6:08:41**
